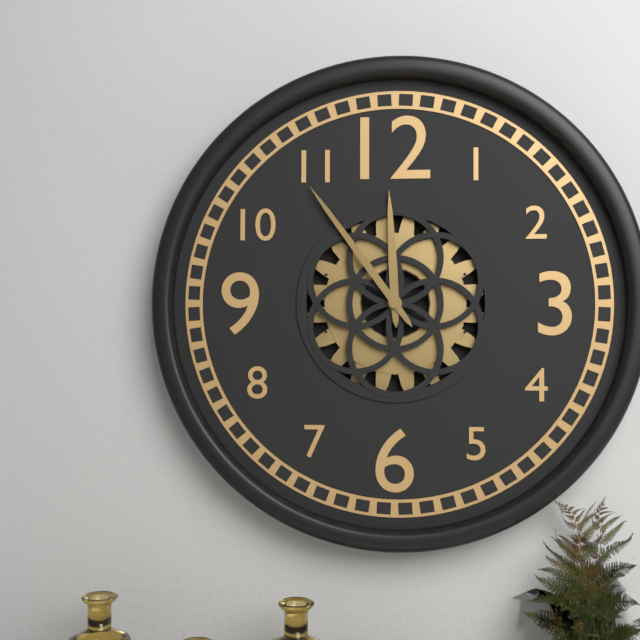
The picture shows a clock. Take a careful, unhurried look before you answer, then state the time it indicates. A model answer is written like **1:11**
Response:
**11:54**
